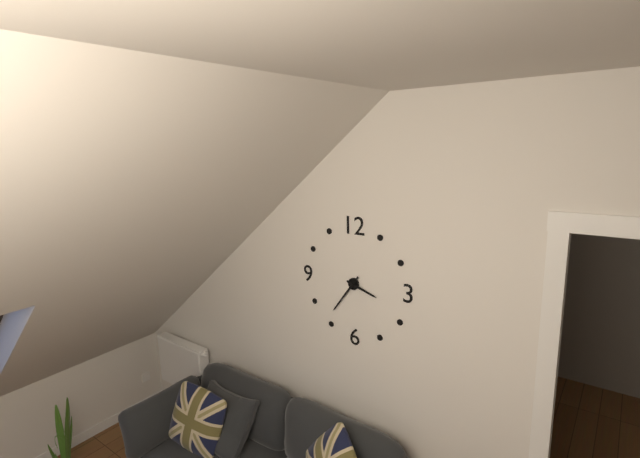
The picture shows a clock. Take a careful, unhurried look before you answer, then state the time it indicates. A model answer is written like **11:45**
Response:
**3:36**
